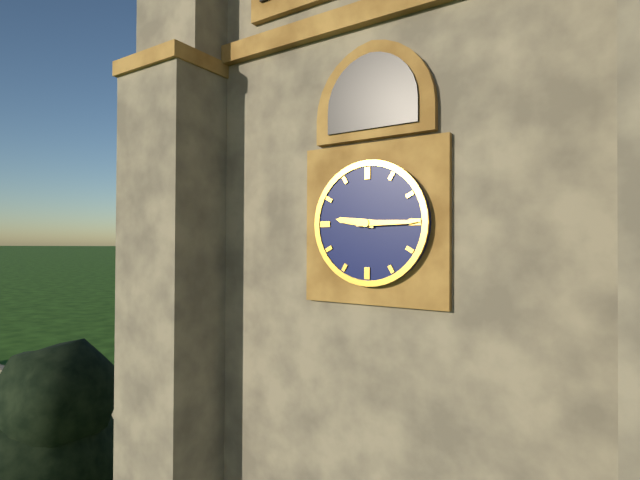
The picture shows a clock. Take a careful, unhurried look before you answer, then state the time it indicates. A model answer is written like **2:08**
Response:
**9:15**
